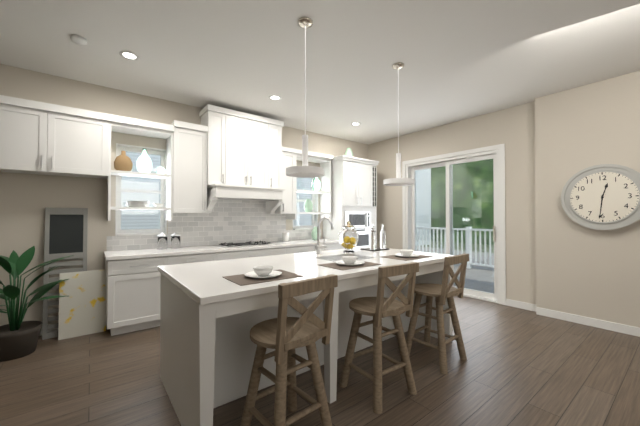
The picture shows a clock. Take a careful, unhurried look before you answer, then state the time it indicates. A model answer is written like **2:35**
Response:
**12:31**
